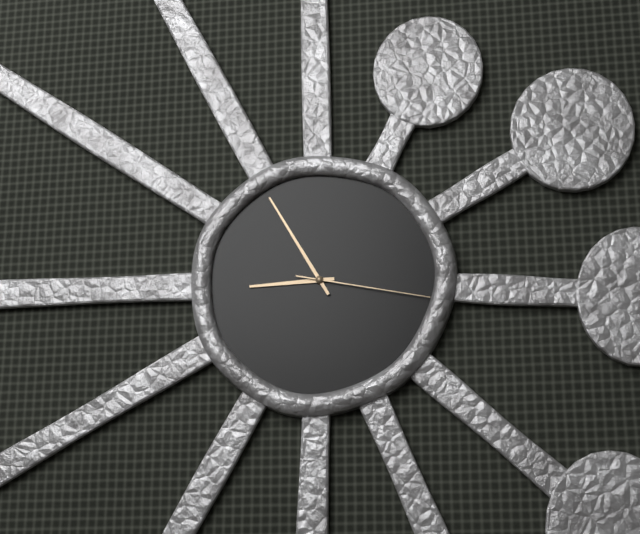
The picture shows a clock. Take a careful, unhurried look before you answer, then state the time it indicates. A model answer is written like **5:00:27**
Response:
**8:55:17**
